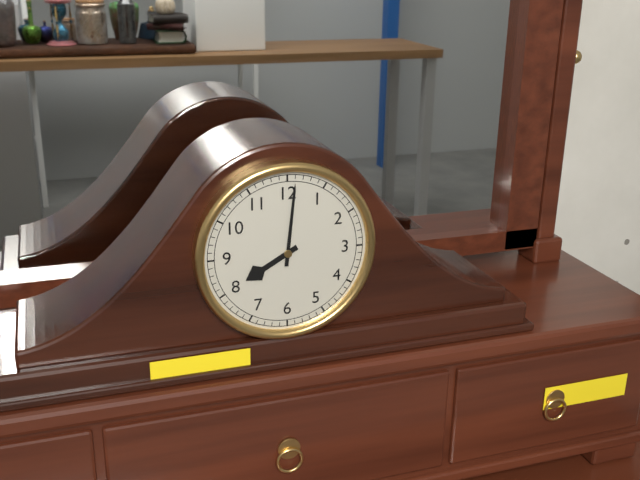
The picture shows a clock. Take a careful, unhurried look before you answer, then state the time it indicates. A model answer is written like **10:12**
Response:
**8:01**
